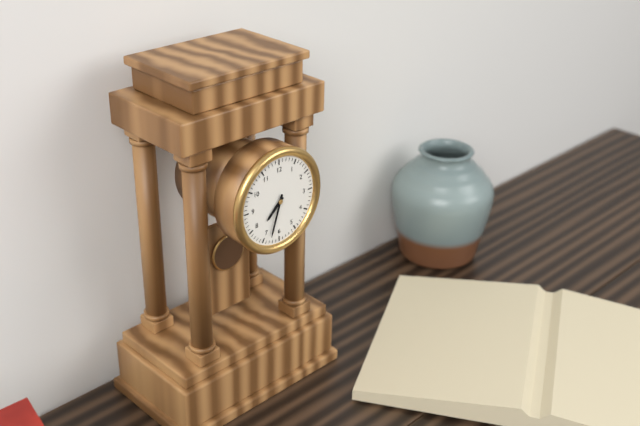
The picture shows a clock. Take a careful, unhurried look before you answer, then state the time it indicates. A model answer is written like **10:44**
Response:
**7:33**
